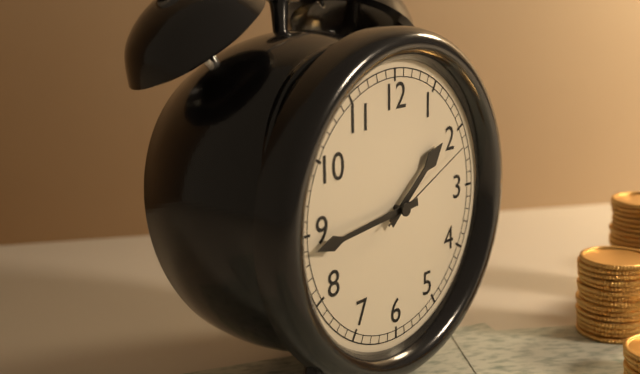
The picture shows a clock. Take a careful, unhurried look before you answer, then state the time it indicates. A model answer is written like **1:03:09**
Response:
**1:44:11**
